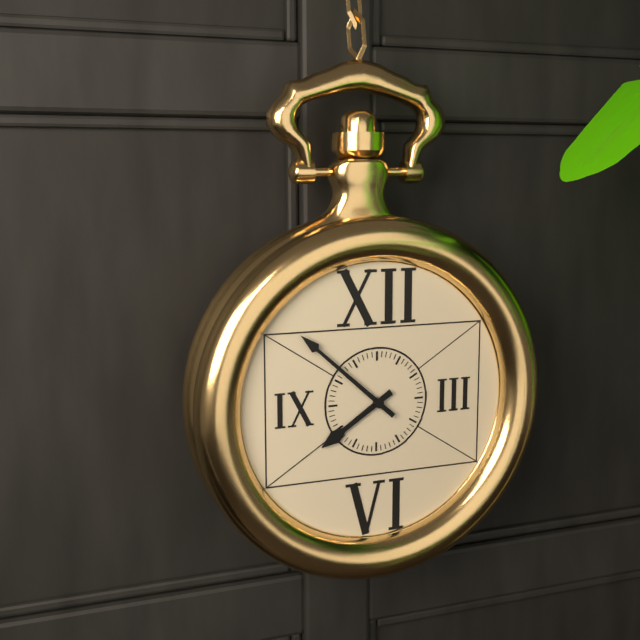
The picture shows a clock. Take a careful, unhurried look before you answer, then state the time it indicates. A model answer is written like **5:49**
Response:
**7:52**
